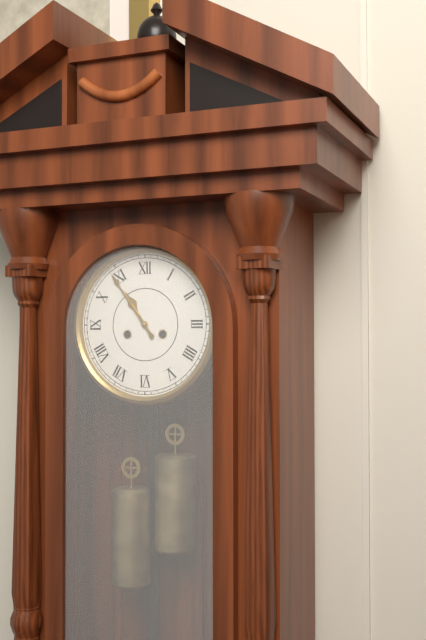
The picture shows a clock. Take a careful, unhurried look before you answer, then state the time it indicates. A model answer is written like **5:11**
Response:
**10:54**
